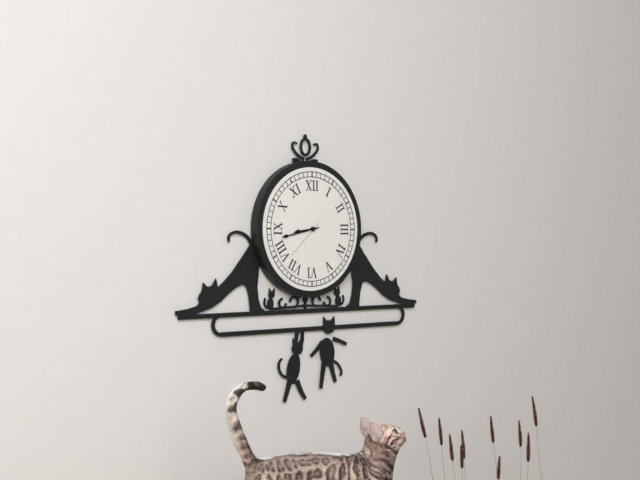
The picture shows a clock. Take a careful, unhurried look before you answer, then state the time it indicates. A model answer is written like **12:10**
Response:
**8:43**
